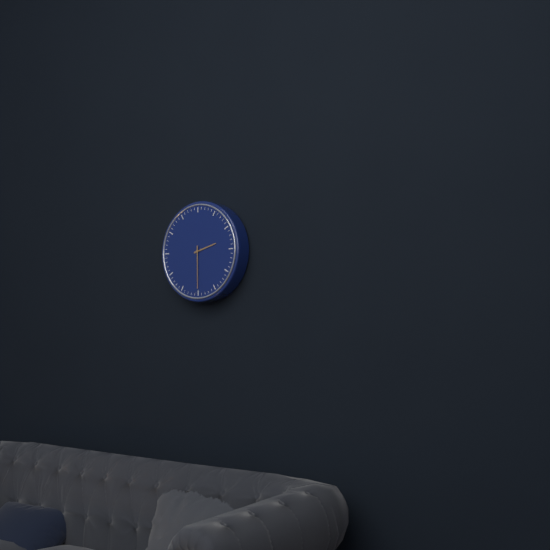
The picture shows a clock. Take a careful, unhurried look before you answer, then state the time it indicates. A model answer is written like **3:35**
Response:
**2:30**
